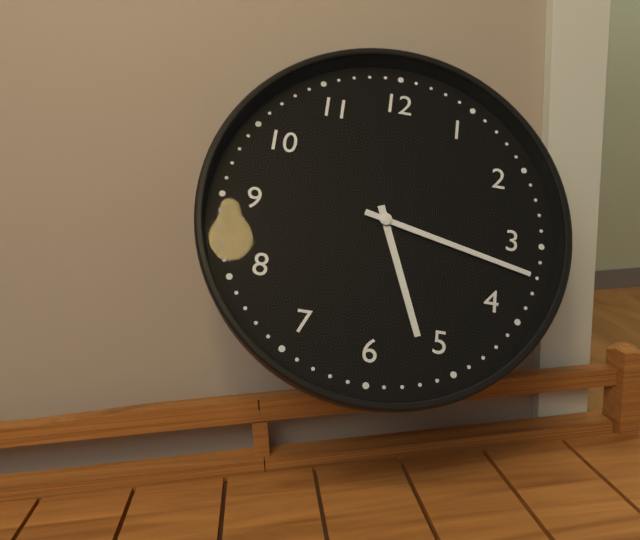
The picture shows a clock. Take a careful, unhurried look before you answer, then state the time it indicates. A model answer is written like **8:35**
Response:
**5:17**
